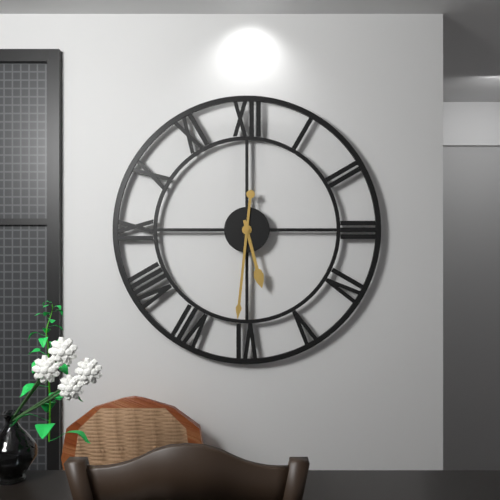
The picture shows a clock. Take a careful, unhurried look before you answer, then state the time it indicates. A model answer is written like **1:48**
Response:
**5:31**
